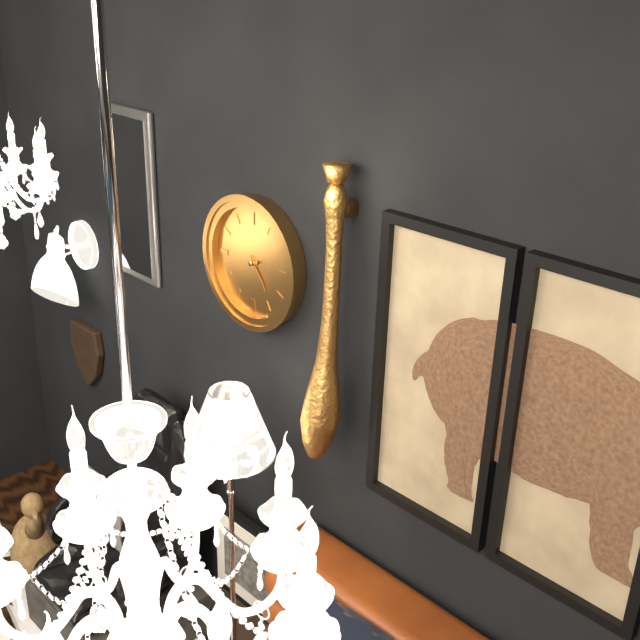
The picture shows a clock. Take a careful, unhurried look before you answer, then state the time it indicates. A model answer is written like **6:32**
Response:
**4:42**
